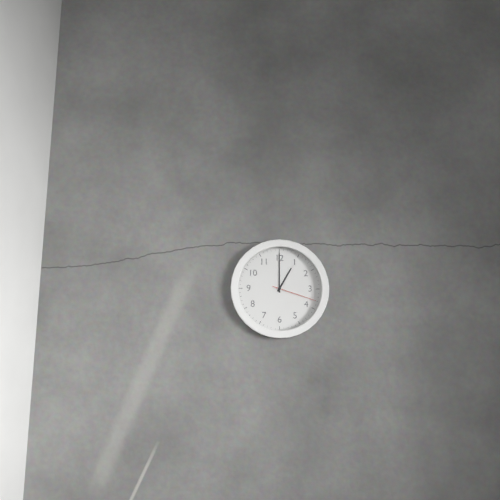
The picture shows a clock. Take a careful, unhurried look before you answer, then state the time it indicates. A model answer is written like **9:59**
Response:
**1:00**
